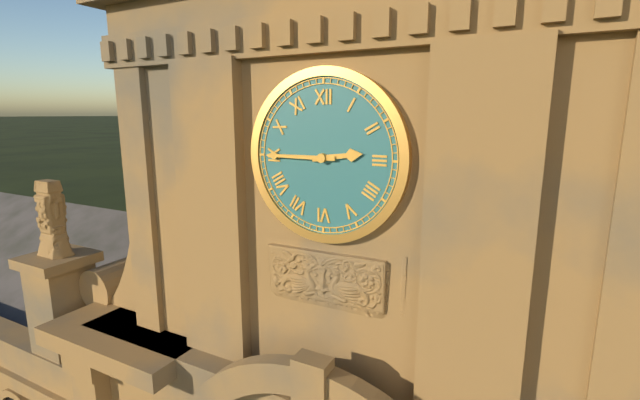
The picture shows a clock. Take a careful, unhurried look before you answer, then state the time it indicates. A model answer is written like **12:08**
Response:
**2:45**
